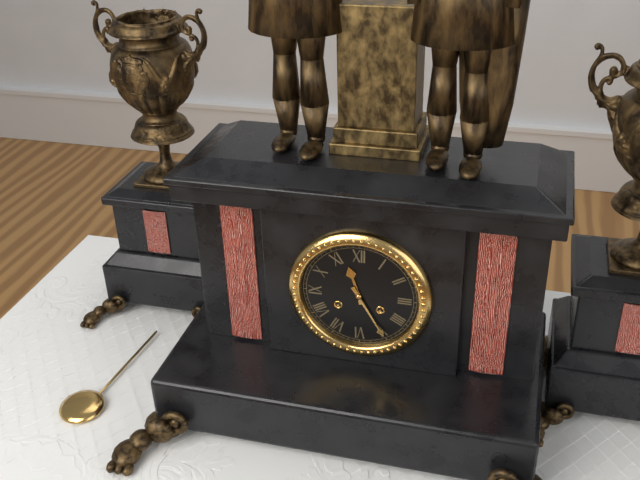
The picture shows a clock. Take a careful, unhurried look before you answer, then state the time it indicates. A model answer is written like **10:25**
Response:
**11:25**
